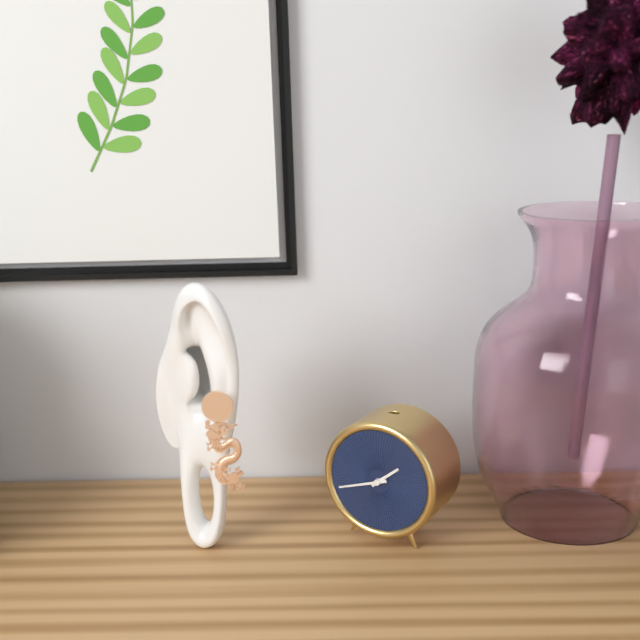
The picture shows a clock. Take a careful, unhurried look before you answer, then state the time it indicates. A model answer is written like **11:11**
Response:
**1:42**
